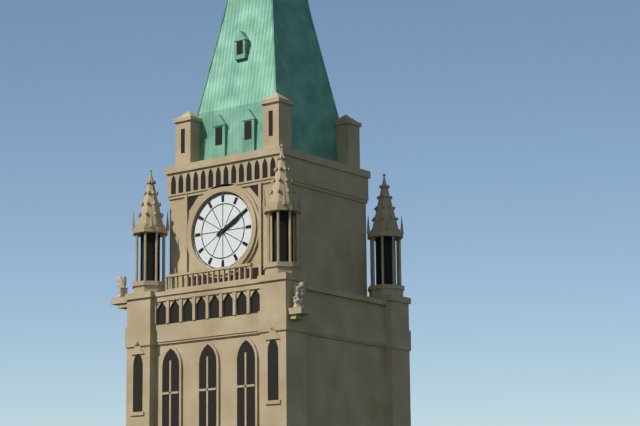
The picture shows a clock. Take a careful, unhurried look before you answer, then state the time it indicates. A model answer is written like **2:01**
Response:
**2:10**
